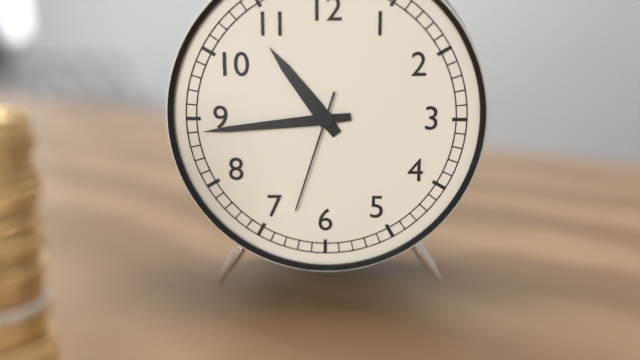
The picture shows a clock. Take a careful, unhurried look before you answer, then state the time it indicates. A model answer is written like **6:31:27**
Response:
**10:44:33**
